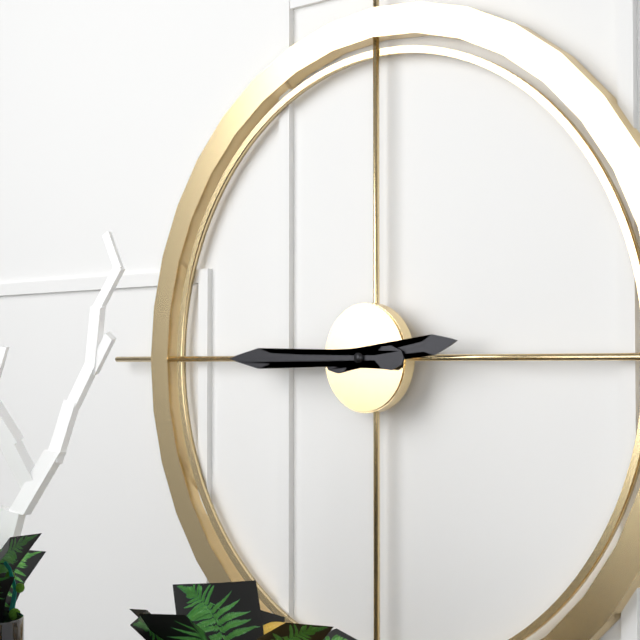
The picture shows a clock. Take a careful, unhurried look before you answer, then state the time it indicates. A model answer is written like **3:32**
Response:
**2:45**
